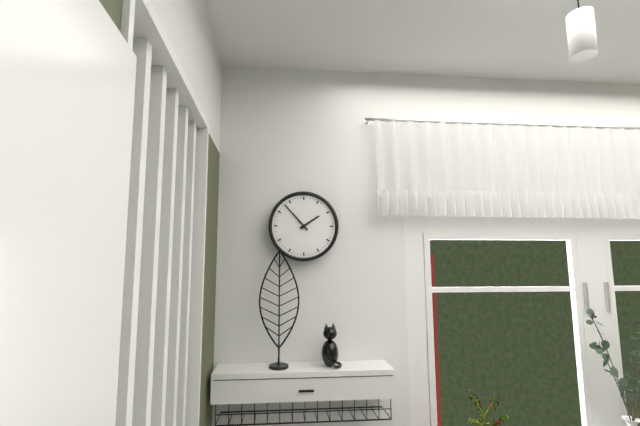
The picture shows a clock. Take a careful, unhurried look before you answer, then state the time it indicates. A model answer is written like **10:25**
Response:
**1:53**
